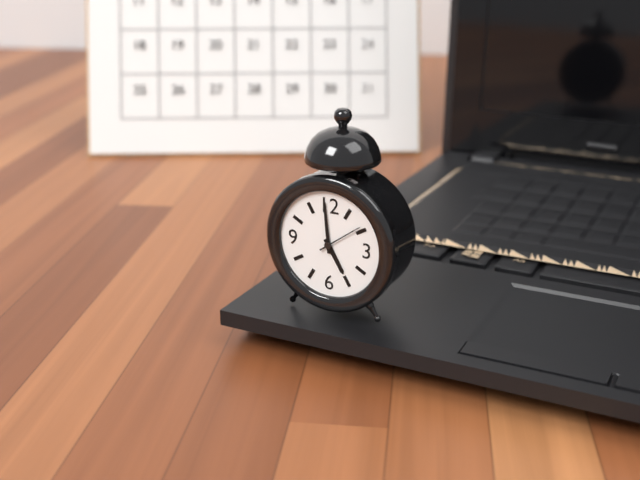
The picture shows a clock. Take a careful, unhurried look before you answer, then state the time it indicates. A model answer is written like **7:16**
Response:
**4:59**
